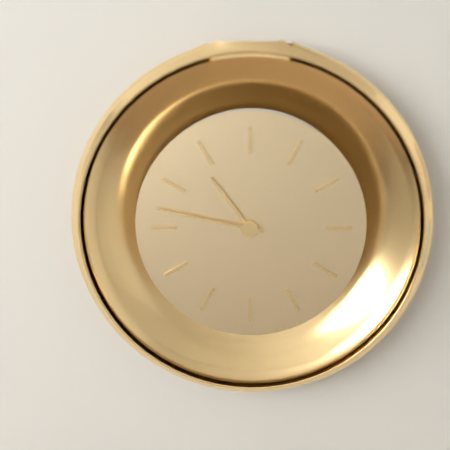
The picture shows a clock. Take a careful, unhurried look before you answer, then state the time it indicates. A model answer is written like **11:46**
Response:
**10:47**
